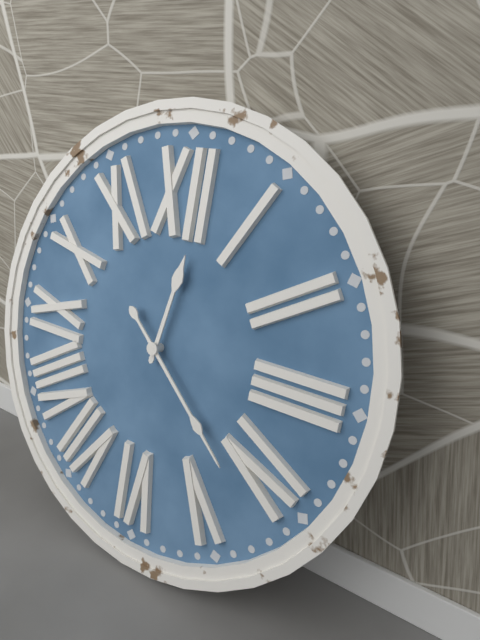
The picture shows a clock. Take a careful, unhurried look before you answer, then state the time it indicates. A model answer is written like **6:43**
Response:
**12:22**
